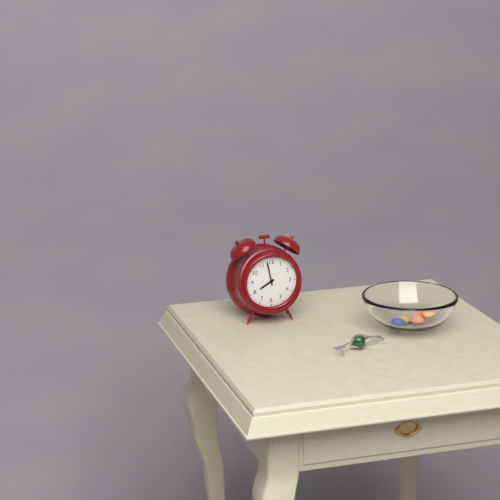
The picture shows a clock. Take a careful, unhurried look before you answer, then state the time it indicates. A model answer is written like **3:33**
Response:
**7:58**
